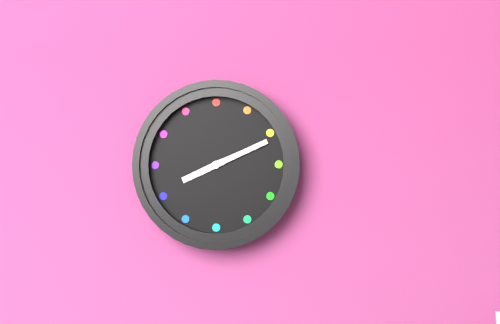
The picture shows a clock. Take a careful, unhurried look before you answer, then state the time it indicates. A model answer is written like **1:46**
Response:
**8:11**
